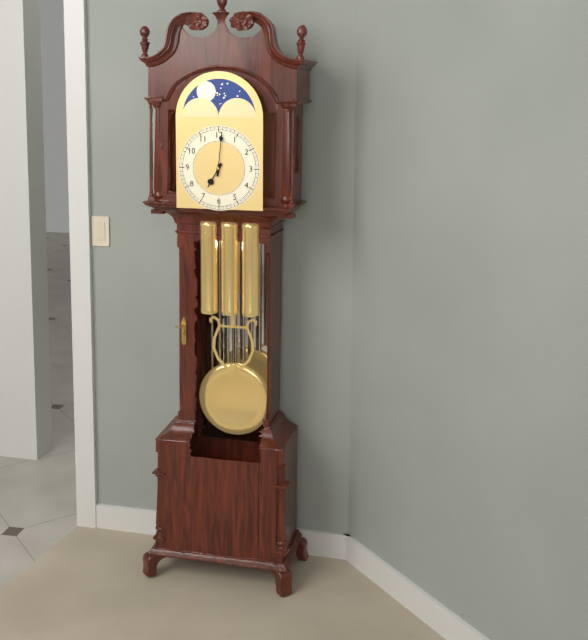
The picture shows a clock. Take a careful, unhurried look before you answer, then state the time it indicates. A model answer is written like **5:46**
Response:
**7:01**
